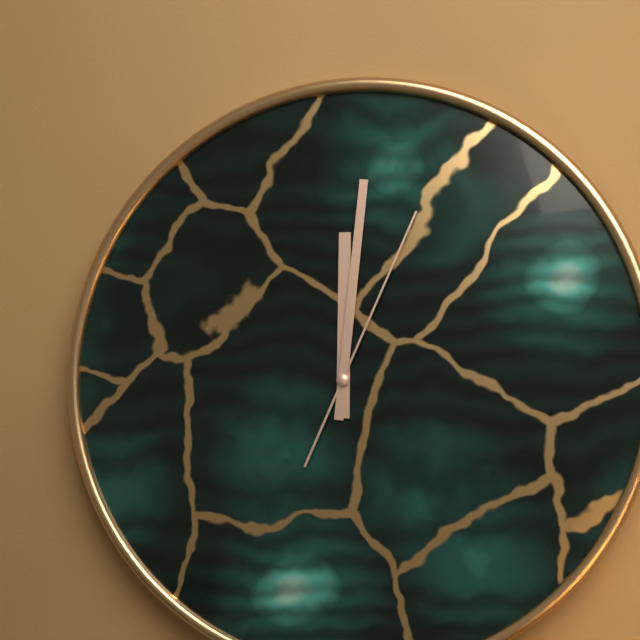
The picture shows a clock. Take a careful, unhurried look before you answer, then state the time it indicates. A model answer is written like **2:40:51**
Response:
**12:01:04**
